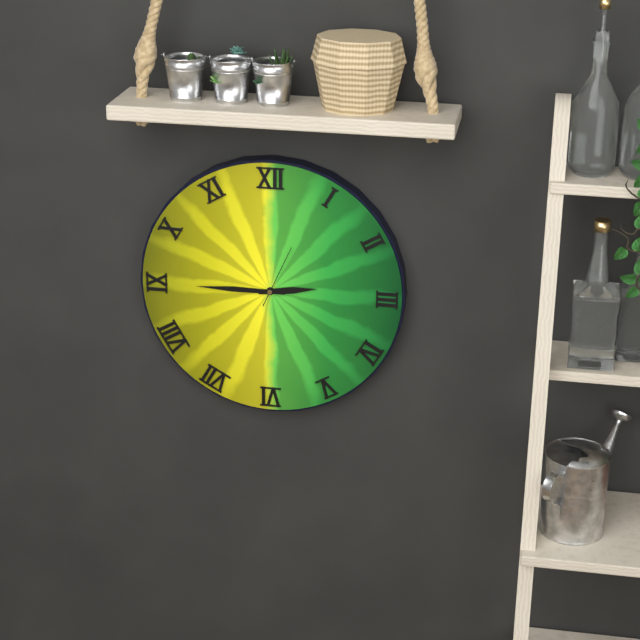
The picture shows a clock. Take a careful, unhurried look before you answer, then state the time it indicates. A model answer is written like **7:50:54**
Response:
**2:45:04**
